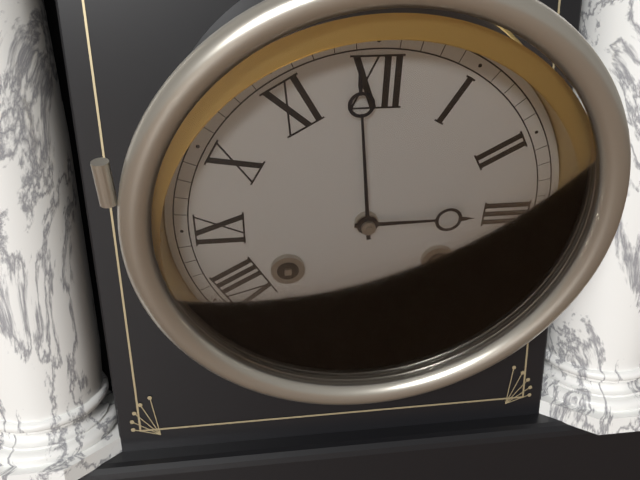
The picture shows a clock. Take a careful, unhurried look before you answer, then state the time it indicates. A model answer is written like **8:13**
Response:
**2:59**
